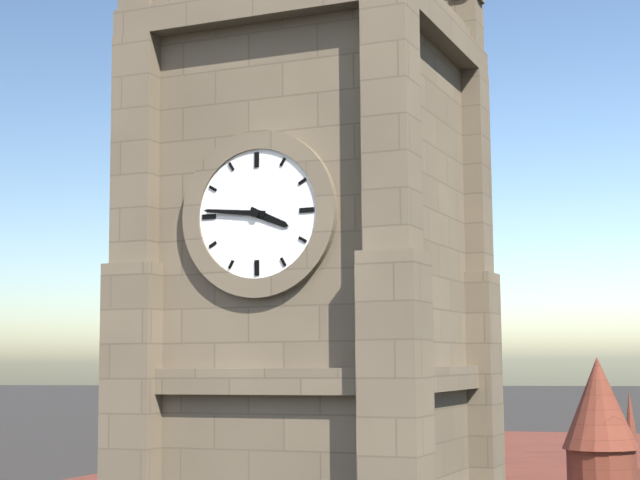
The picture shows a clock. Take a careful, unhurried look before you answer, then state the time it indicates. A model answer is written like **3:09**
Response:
**3:46**
